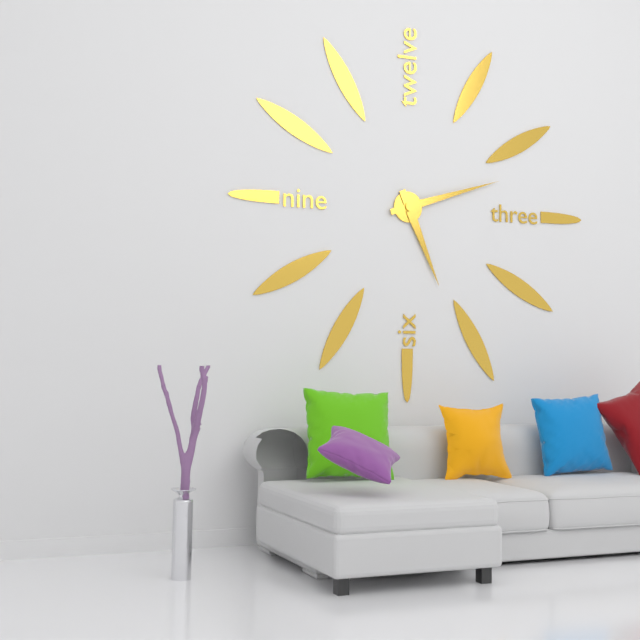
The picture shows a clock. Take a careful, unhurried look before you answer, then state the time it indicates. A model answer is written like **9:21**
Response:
**5:12**
